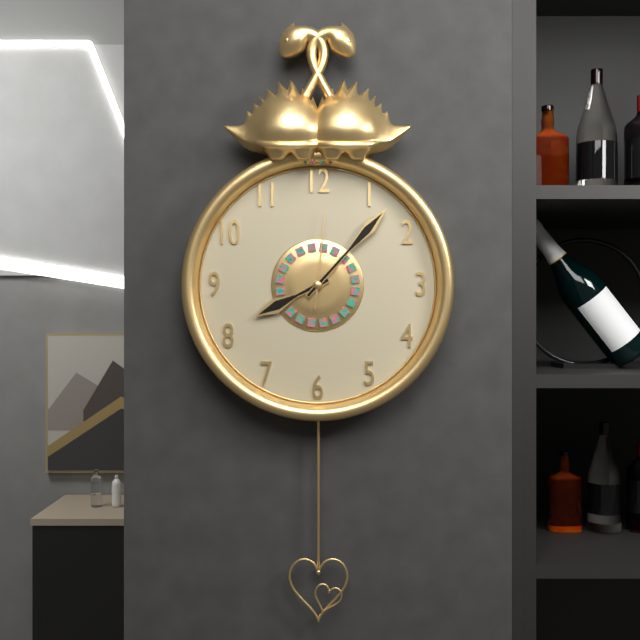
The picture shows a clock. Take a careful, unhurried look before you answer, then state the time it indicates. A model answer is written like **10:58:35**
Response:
**8:07:01**
